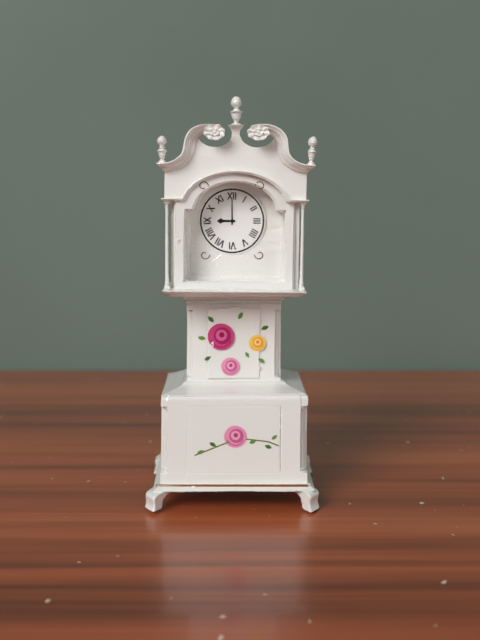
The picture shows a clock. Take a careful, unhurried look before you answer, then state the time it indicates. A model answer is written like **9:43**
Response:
**9:00**
